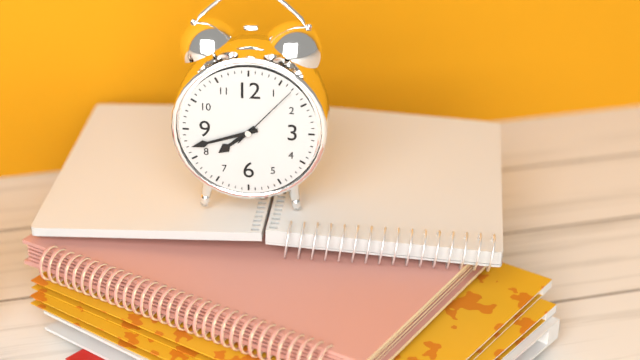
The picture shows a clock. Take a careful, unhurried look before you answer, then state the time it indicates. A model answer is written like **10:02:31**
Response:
**7:42:07**
